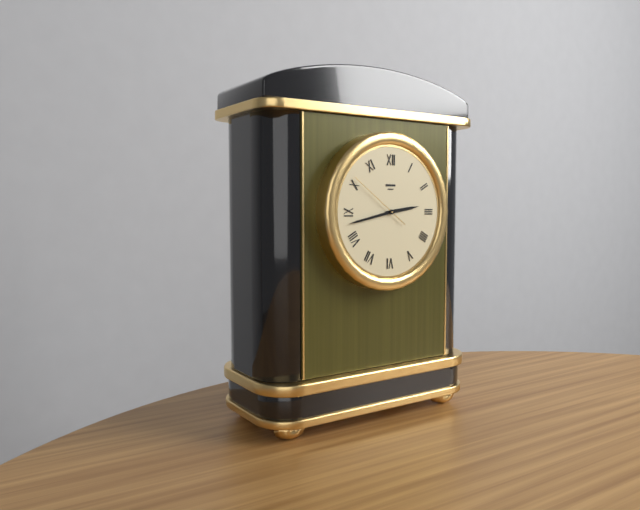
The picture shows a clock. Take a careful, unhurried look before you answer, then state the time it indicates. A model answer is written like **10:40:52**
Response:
**2:43:51**
